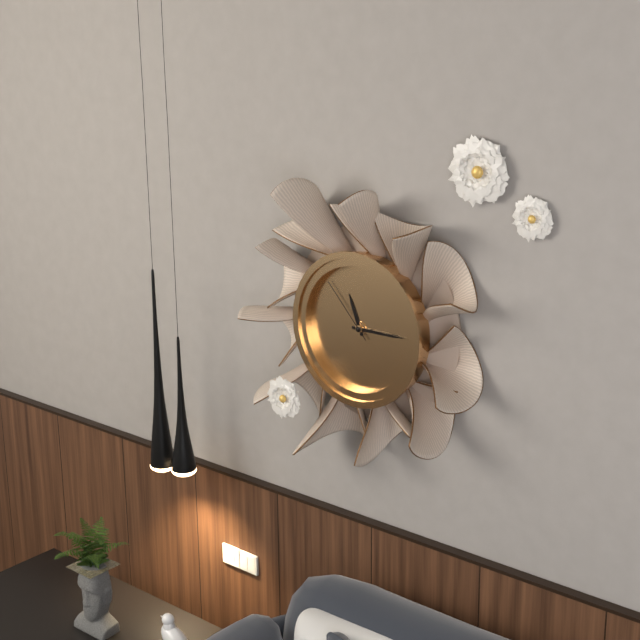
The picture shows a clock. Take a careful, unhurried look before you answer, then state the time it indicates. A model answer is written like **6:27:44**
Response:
**11:15:53**
